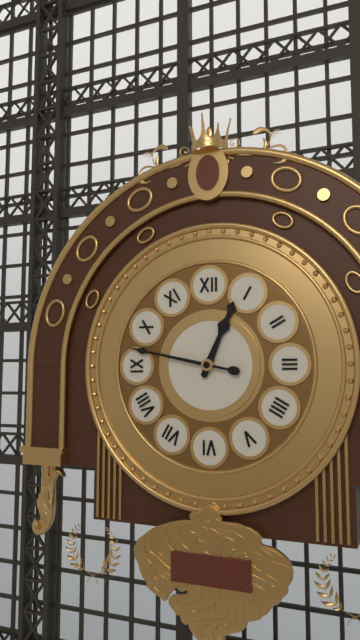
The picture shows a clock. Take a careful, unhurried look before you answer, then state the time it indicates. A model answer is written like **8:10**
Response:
**12:47**
